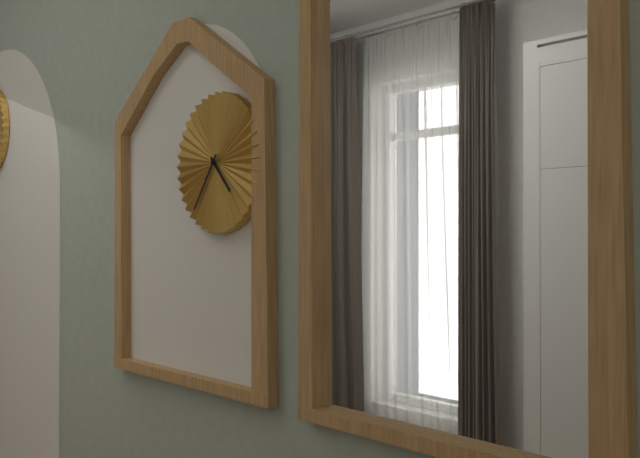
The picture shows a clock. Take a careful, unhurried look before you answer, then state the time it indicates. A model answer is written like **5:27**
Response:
**4:36**
